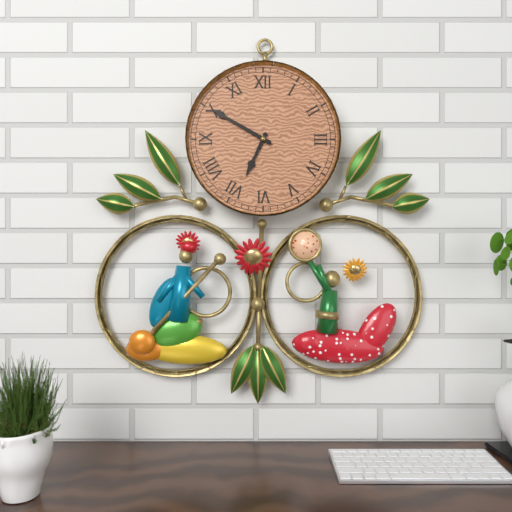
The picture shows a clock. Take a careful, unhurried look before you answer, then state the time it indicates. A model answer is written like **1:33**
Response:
**6:50**
